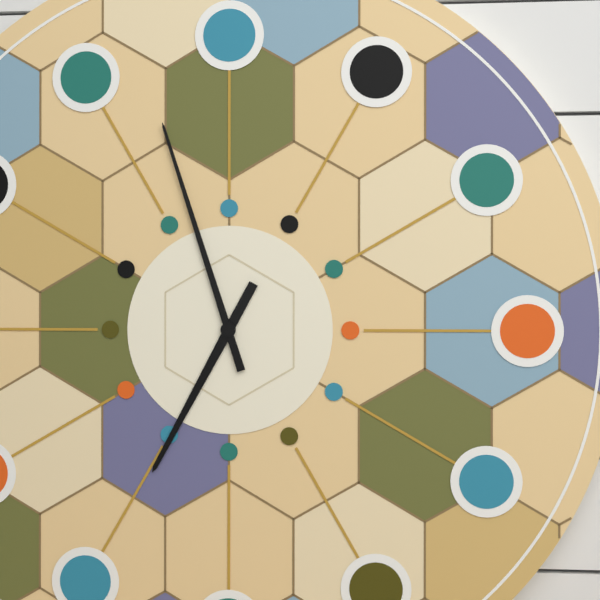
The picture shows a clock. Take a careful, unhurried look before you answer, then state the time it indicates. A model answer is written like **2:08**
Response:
**6:57**
